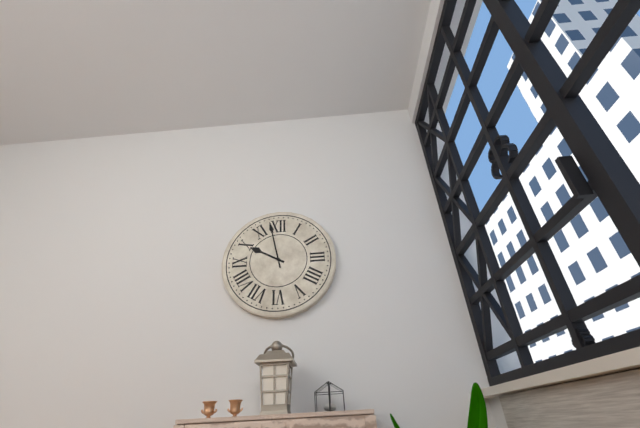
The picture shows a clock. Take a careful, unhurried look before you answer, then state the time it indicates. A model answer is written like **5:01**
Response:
**9:58**
